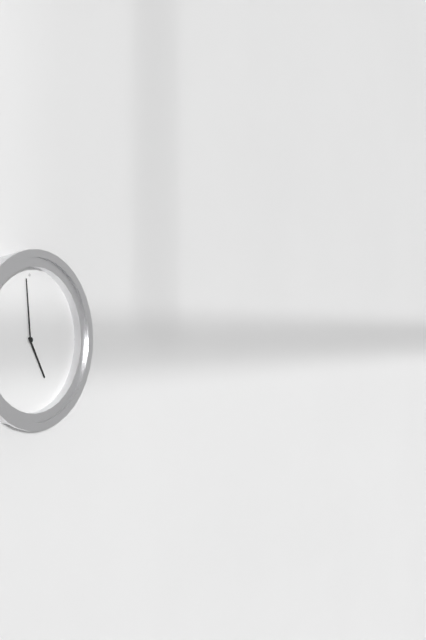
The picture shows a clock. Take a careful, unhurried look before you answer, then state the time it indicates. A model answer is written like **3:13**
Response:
**4:59**
